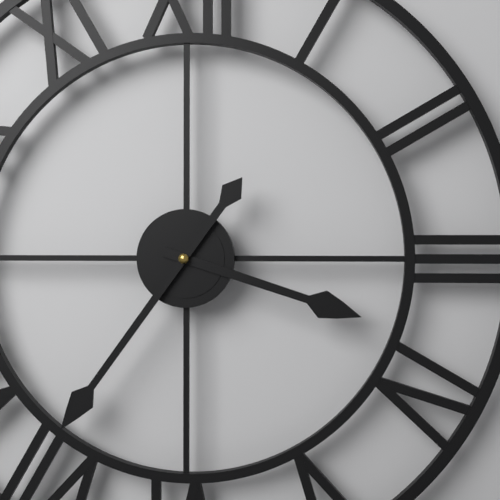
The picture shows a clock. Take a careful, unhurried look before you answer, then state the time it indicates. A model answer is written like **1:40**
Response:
**3:36**
